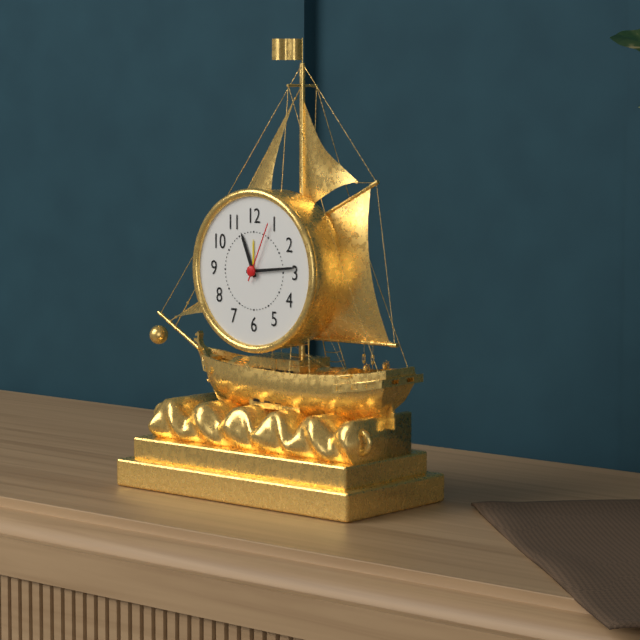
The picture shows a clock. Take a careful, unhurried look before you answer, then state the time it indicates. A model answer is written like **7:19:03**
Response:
**11:14:04**
